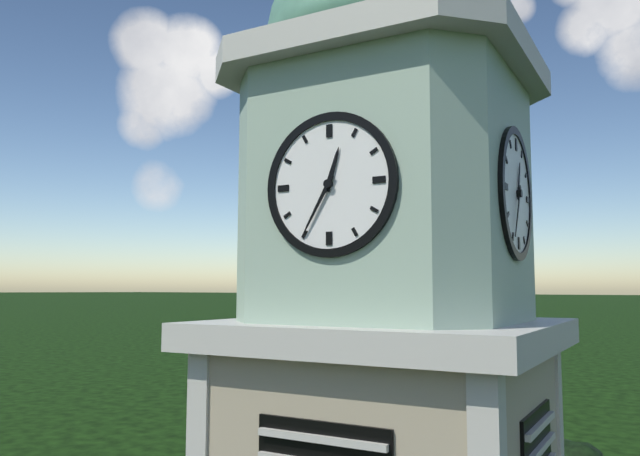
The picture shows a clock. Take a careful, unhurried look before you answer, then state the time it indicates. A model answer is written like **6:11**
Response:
**12:35**
